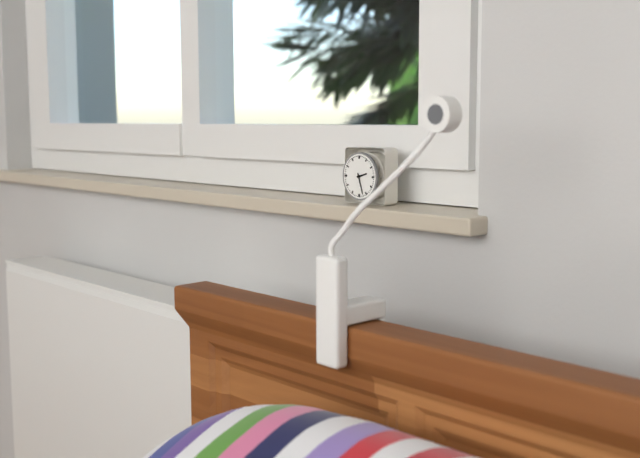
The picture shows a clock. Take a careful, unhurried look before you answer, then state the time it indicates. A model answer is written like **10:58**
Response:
**2:27**
